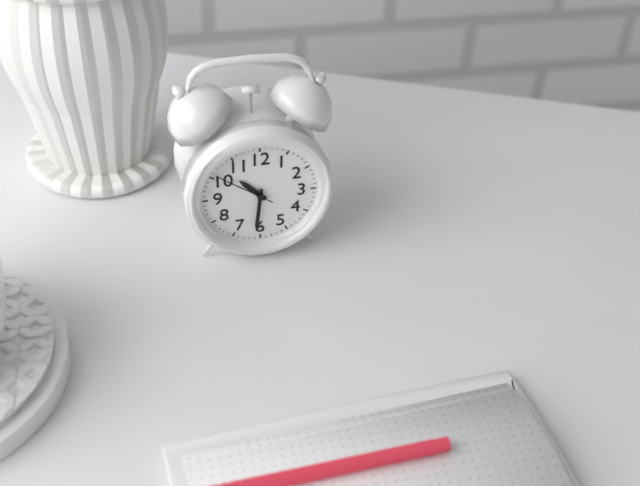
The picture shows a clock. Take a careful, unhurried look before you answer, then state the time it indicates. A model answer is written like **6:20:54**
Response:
**10:31:51**
